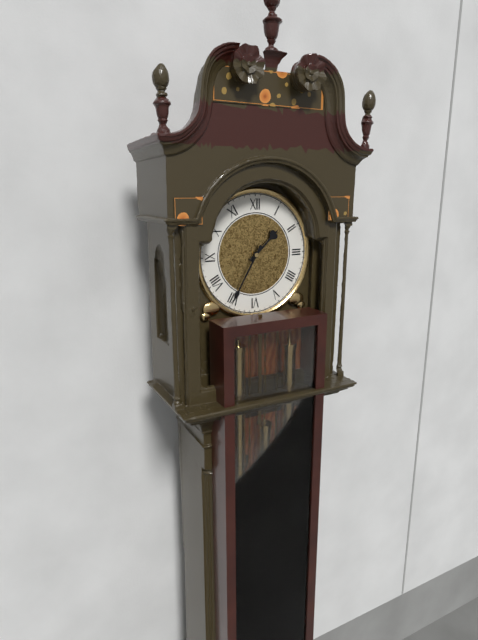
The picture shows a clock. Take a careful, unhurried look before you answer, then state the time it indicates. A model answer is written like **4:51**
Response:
**1:35**
